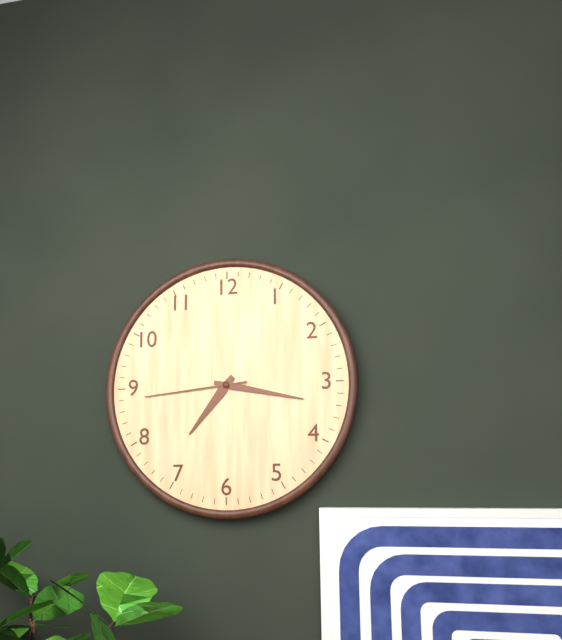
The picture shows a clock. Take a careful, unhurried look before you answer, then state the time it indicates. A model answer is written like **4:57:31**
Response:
**7:17:44**
